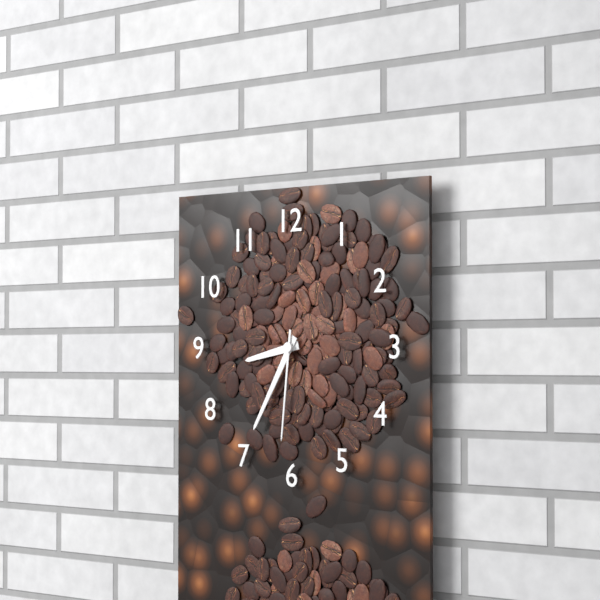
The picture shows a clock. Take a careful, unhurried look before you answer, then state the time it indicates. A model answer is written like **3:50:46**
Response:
**8:35:31**
